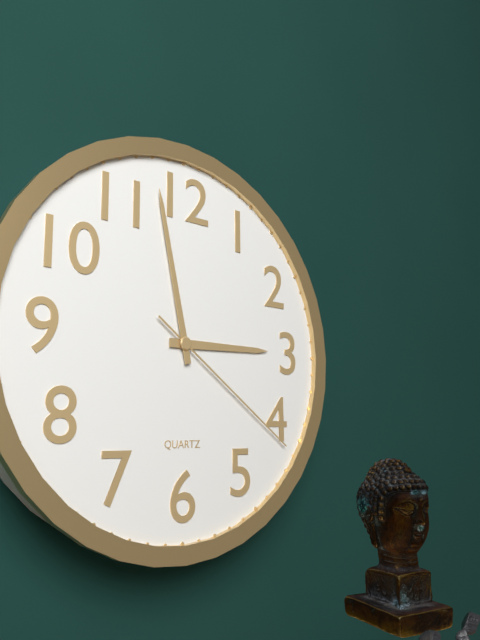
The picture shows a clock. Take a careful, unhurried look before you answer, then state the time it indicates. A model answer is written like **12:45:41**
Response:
**2:58:21**
